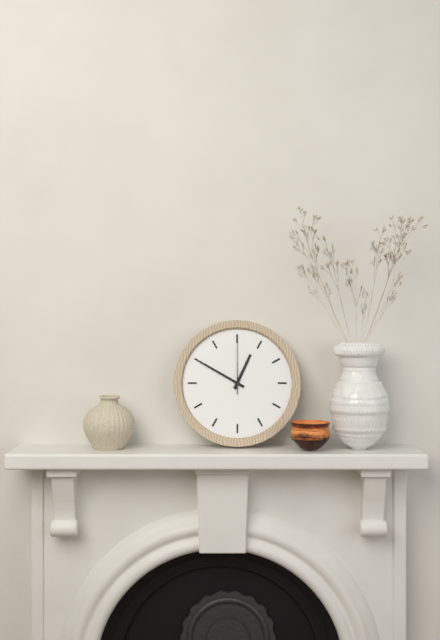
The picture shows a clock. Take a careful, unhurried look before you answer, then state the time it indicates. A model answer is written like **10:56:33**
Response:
**12:50:00**
